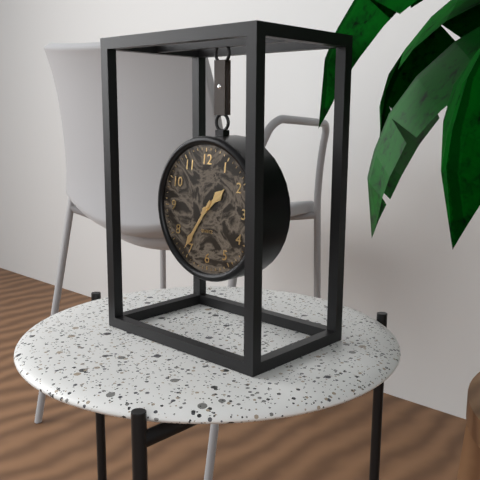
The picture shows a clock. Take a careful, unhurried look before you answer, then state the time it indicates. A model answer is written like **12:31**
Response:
**1:36**
